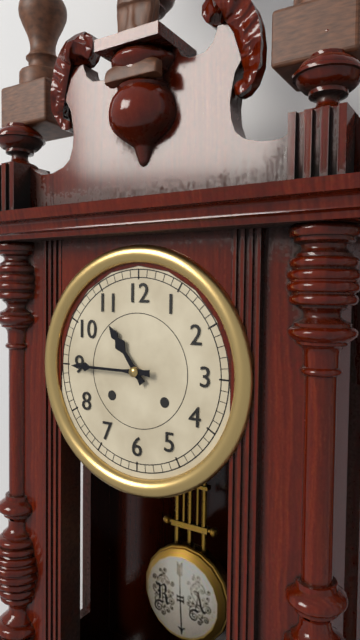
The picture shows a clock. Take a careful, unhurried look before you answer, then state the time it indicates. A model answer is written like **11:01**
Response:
**10:45**
